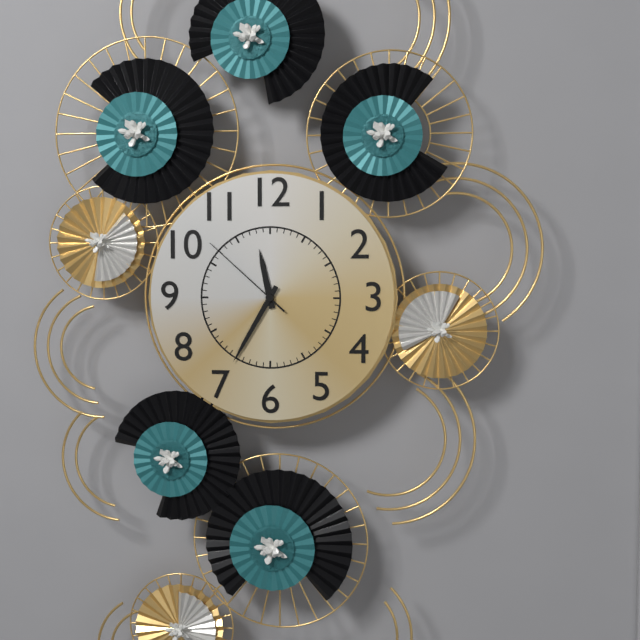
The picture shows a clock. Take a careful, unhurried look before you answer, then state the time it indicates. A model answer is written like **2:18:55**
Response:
**11:35:52**
